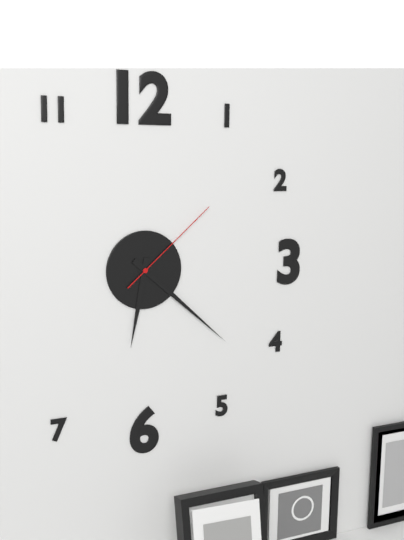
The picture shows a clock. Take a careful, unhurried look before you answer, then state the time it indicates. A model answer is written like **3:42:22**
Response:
**6:22:08**
